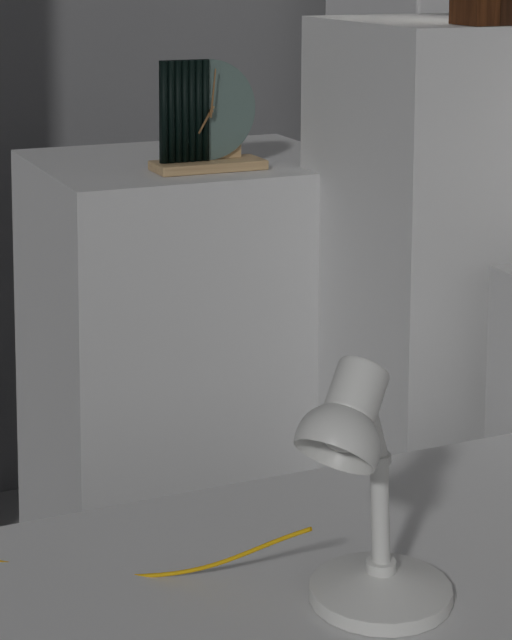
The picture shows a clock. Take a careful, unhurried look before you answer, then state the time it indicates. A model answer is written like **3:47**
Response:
**7:01**
